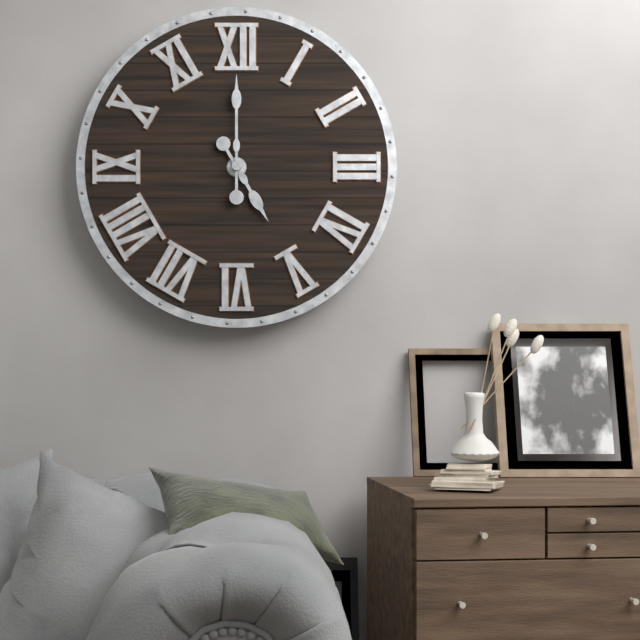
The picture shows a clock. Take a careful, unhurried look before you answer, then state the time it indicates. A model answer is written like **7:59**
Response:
**5:00**
